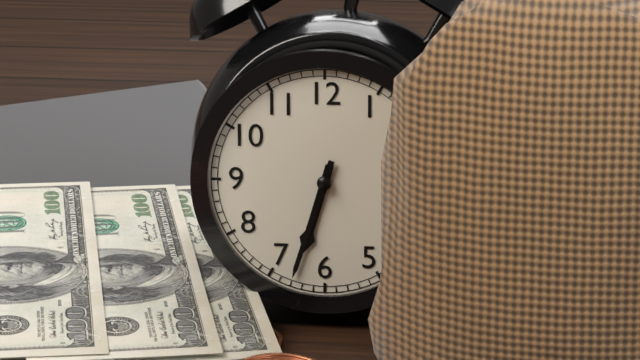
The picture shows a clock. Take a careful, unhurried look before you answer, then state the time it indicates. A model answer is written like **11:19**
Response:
**6:33**
